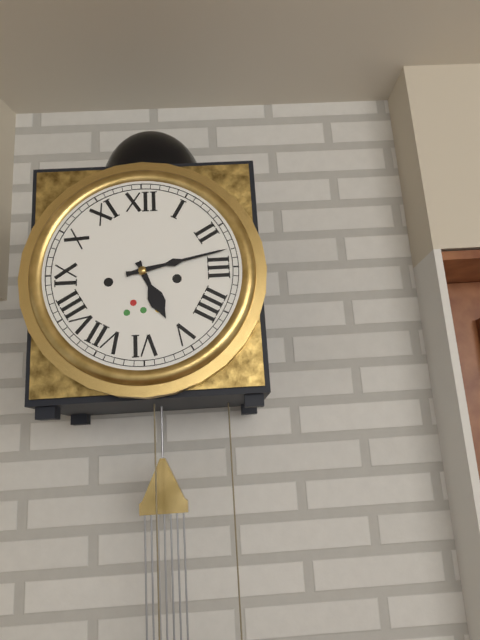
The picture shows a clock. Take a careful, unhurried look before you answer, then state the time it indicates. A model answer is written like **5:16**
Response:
**5:13**
